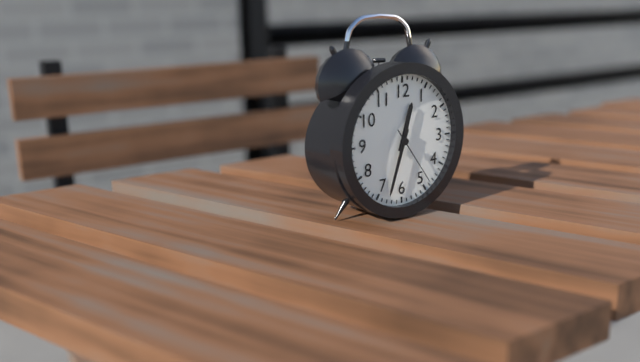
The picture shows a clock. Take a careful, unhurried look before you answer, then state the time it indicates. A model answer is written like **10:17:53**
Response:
**12:33:24**
